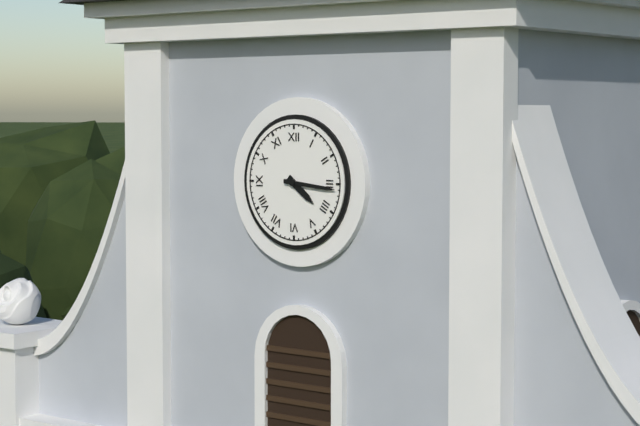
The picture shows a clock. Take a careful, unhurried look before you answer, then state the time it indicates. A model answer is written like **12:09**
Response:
**4:16**
